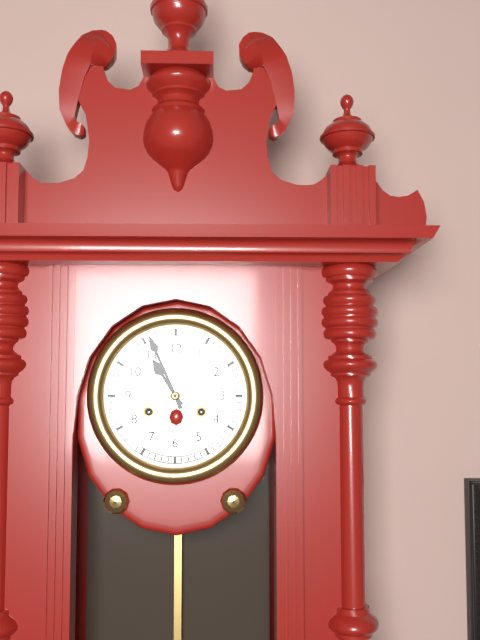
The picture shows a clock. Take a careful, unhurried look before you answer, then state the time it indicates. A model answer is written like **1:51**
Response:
**10:56**
